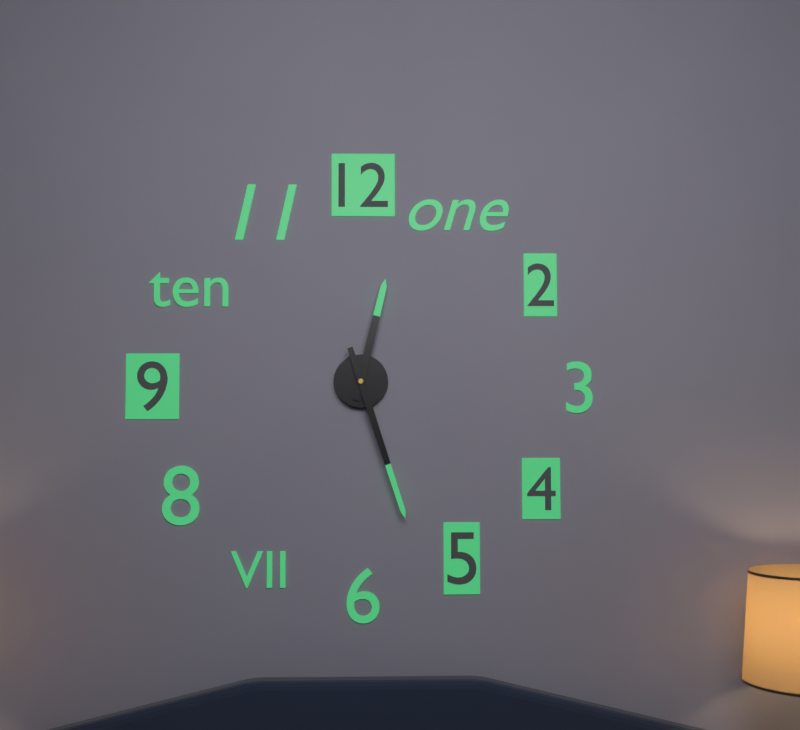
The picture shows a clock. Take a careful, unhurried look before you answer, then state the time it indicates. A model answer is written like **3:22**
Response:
**12:27**
